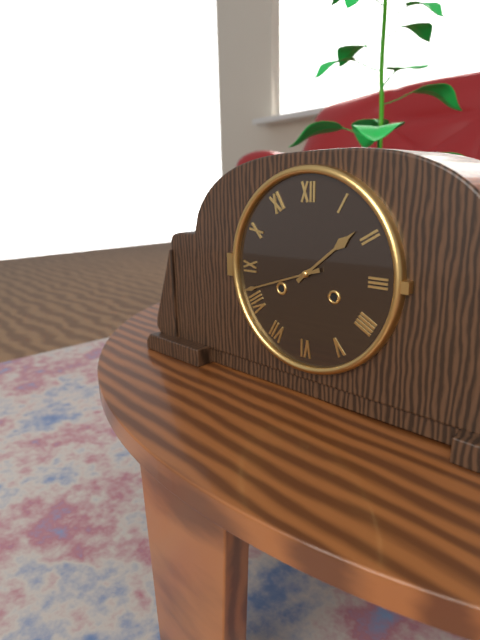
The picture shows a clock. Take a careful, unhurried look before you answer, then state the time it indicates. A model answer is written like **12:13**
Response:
**1:42**
